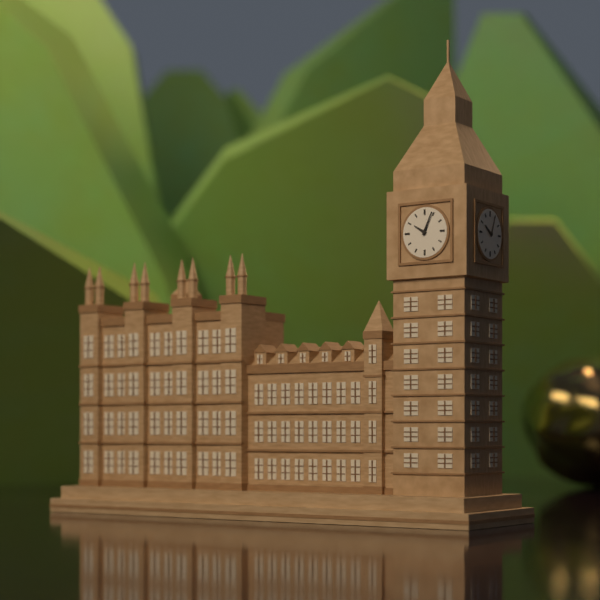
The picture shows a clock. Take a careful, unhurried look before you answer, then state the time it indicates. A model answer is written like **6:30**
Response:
**10:04**
